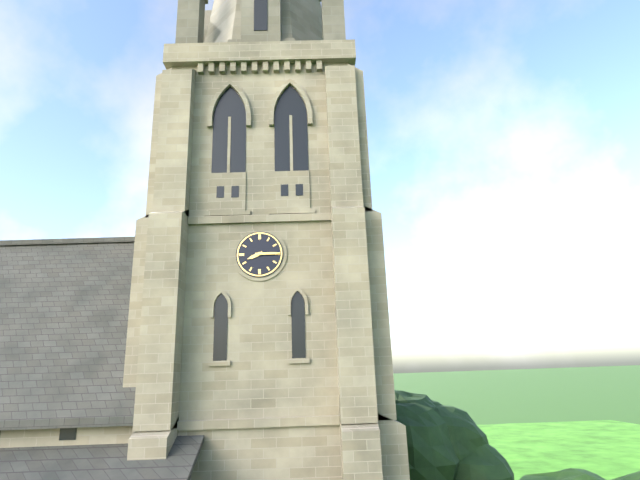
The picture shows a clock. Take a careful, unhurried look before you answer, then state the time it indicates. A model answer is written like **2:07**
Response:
**8:15**
